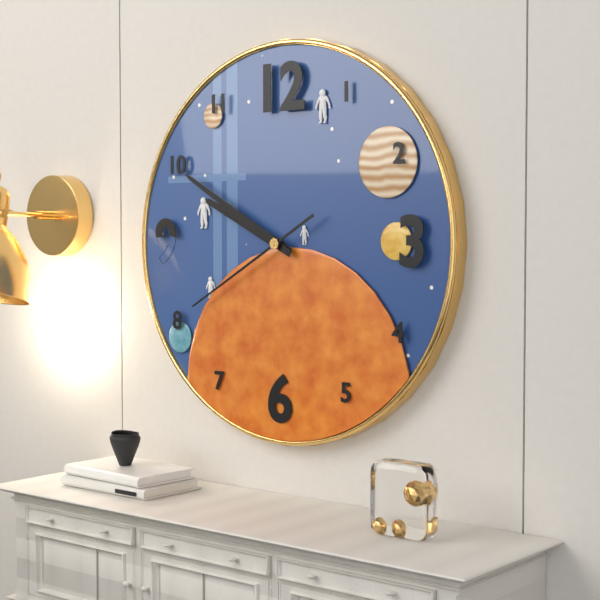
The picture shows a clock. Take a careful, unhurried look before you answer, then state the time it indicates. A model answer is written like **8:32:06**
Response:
**9:50:40**
